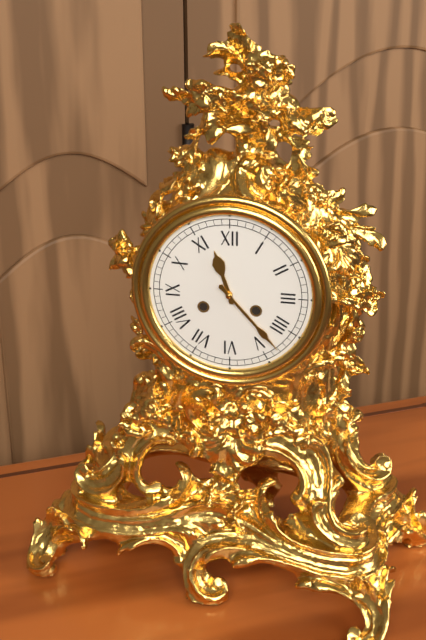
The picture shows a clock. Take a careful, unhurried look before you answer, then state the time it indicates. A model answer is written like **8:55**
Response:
**11:23**
